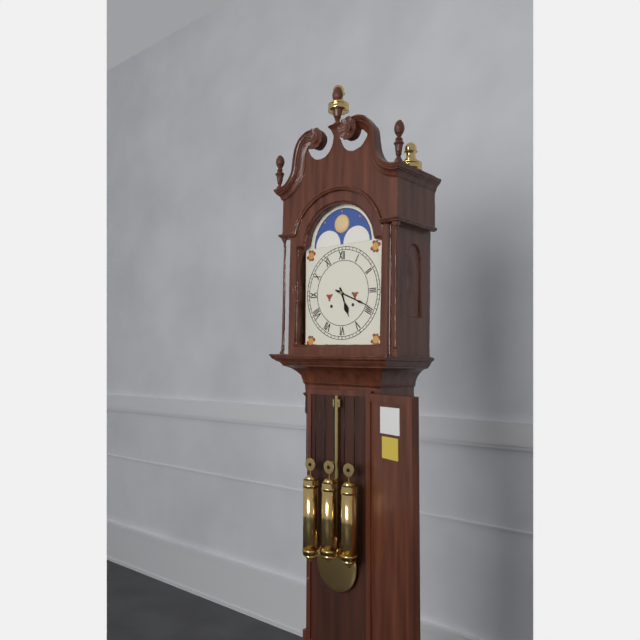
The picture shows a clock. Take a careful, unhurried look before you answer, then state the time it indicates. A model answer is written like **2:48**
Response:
**5:19**
